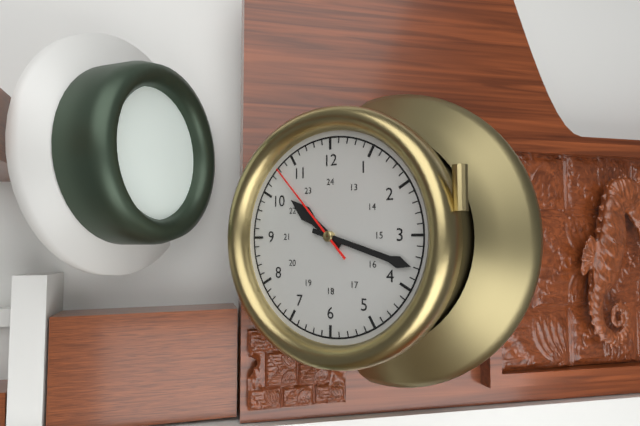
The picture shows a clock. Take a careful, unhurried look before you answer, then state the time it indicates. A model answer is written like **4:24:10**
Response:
**10:18:53**
